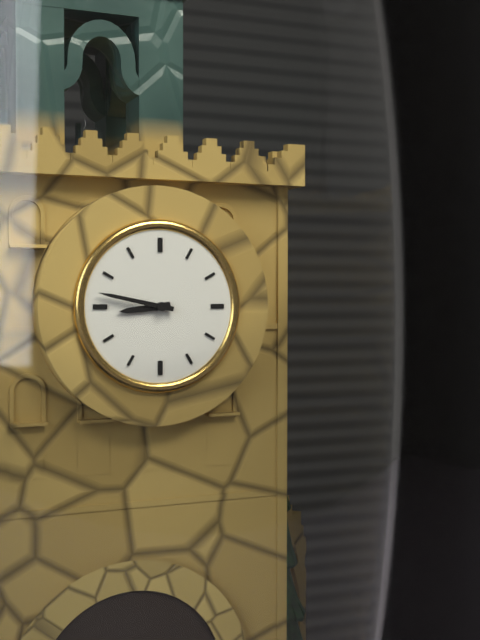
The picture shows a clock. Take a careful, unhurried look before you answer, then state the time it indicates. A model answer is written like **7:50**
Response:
**8:47**
